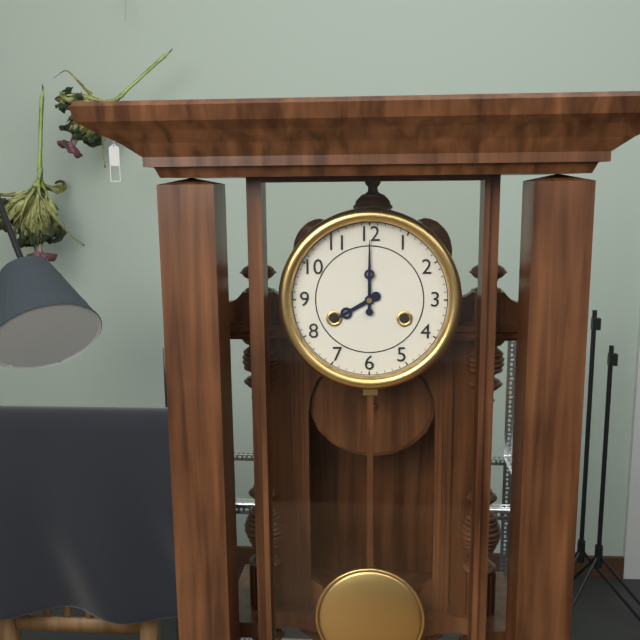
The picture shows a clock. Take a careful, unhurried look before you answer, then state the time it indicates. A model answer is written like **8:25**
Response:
**8:00**
